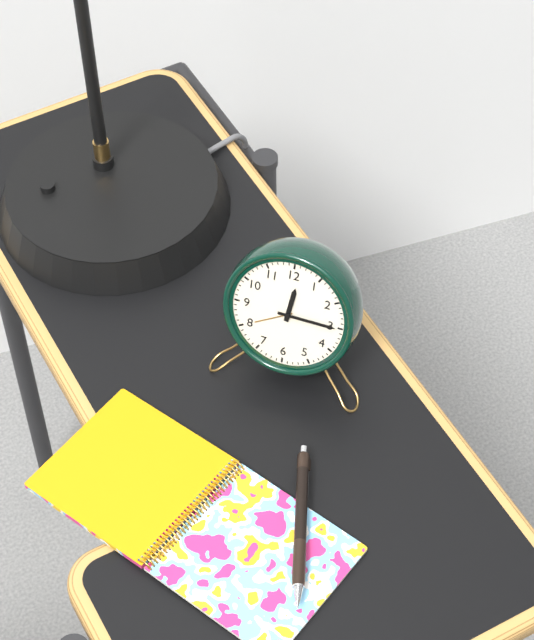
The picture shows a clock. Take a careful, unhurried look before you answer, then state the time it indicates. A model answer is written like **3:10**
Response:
**12:15**
